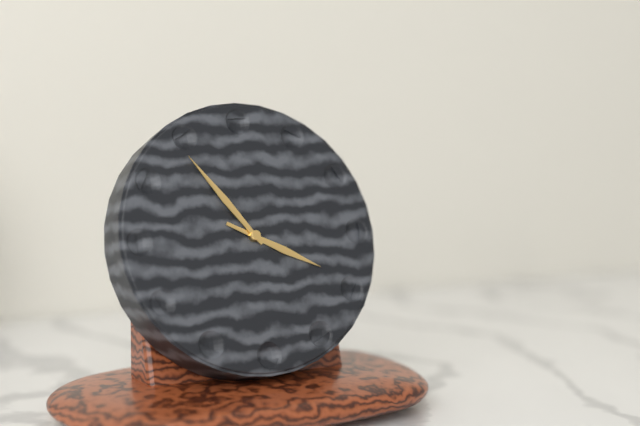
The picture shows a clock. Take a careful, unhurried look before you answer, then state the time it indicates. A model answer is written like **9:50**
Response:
**3:54**
